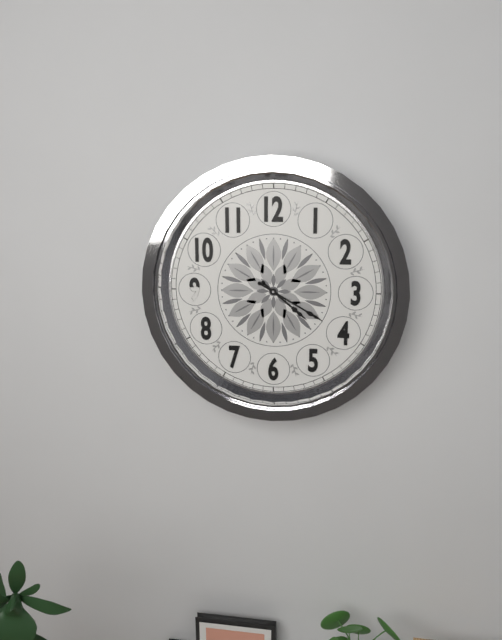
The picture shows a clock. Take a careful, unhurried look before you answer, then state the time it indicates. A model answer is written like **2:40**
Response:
**4:20**
